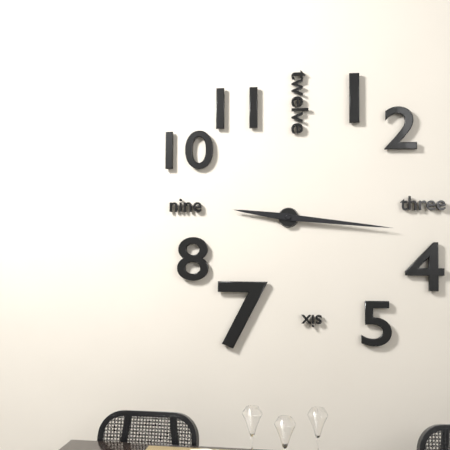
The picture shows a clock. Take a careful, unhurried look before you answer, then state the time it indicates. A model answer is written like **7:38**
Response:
**9:16**
